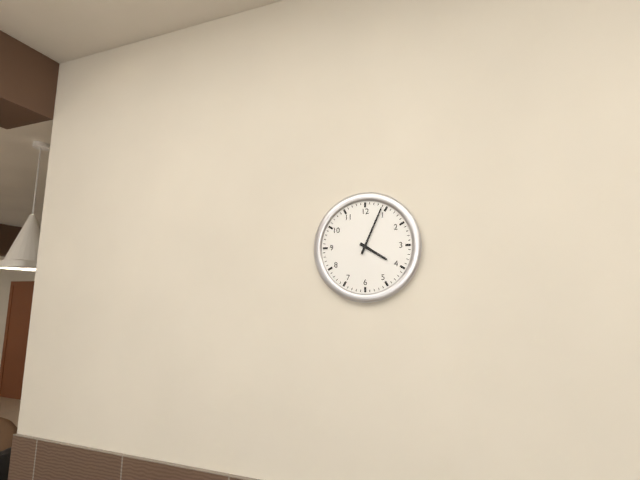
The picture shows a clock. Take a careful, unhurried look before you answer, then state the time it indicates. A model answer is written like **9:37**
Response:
**4:04**
